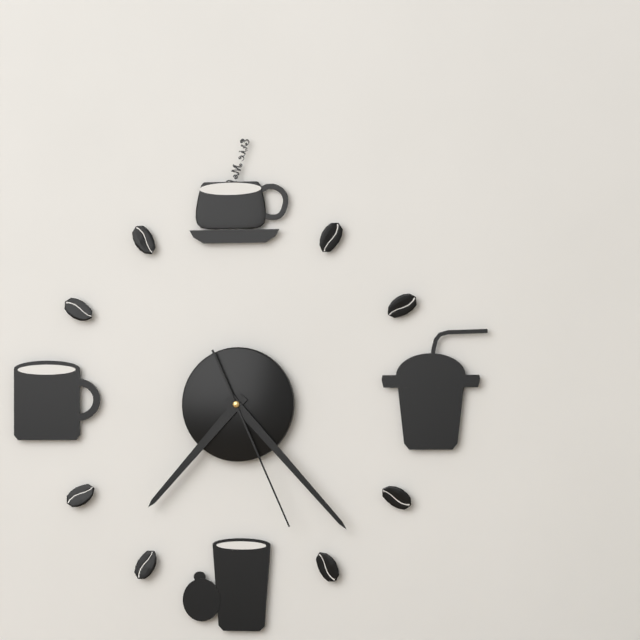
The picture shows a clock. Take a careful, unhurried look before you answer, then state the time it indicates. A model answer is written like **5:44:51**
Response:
**7:23:26**
